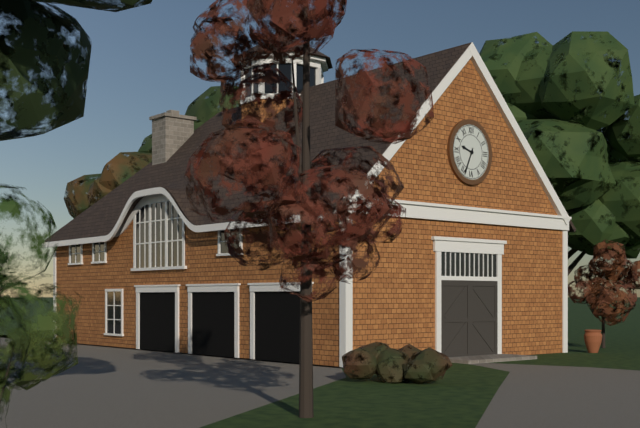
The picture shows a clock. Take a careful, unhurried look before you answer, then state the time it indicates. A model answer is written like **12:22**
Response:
**9:34**
